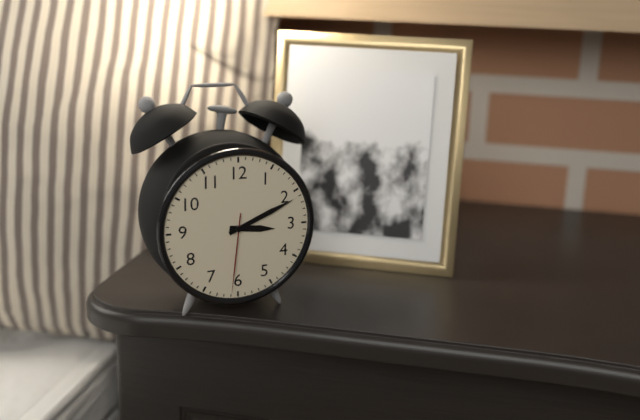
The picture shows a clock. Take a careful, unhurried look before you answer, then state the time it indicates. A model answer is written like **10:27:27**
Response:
**3:11:31**
